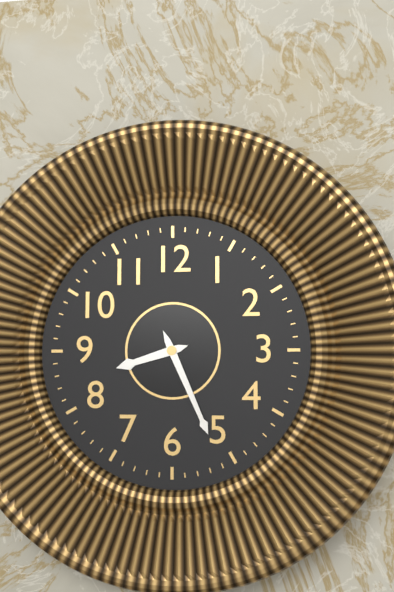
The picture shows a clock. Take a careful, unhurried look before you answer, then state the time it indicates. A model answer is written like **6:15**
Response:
**8:26**
